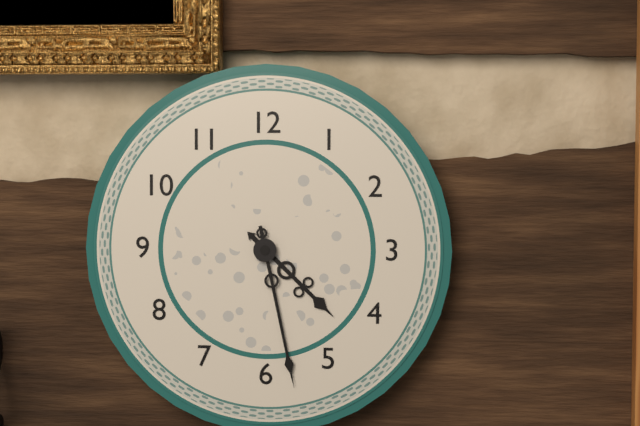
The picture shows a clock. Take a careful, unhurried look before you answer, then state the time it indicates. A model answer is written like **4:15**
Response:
**4:28**
